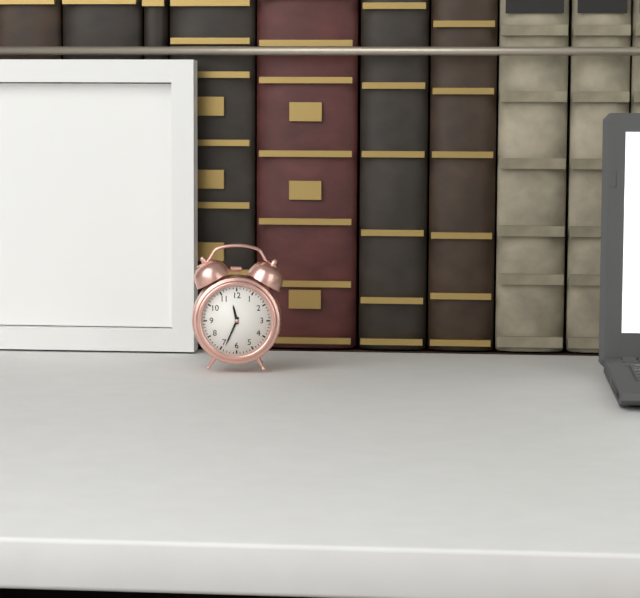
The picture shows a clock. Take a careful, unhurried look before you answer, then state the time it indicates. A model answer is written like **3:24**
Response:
**11:34**
